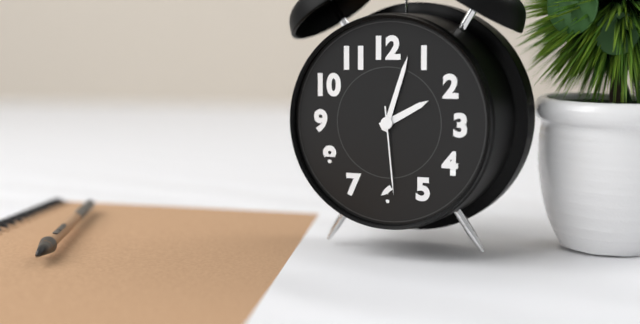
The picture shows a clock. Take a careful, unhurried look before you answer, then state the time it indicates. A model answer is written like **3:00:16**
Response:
**2:03:29**
